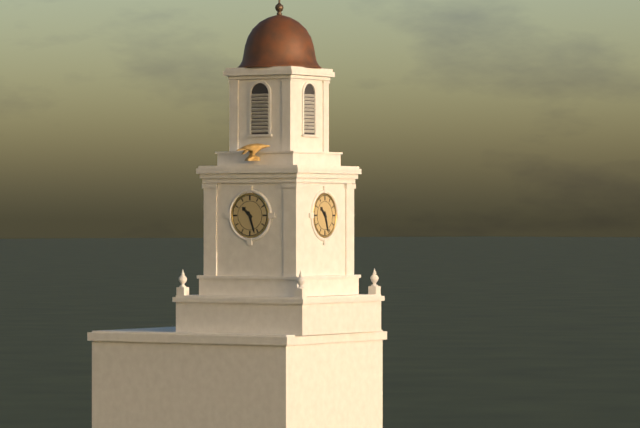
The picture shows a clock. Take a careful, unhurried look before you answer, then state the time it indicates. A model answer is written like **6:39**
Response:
**10:27**
